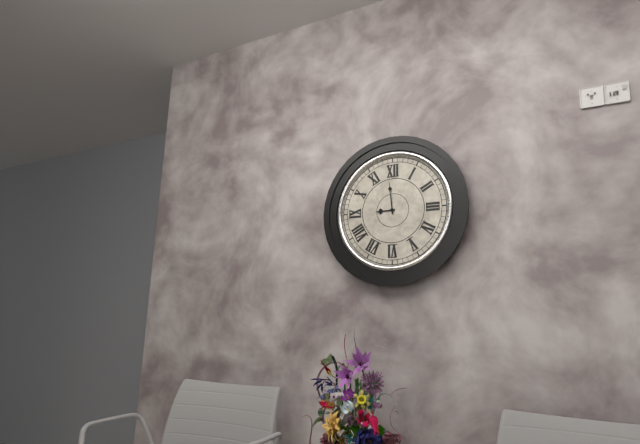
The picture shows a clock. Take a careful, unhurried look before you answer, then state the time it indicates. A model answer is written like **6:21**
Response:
**8:59**
